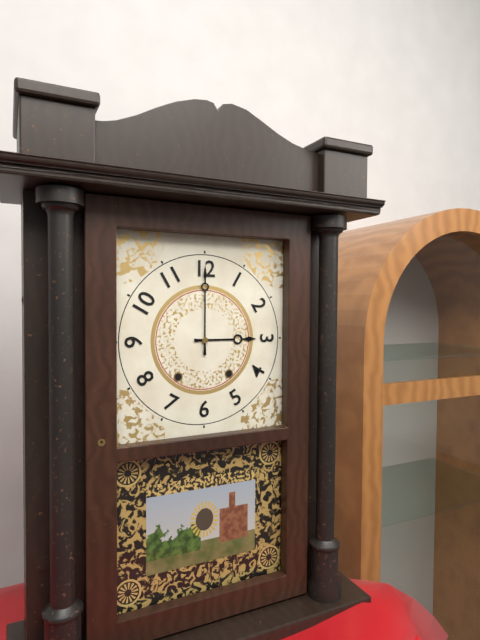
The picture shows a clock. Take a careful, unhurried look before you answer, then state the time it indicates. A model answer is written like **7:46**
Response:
**3:00**
